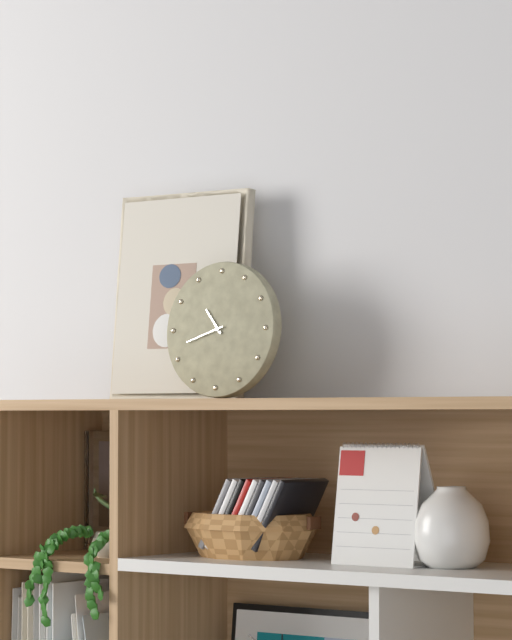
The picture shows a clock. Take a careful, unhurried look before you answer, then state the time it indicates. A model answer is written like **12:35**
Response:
**10:42**
